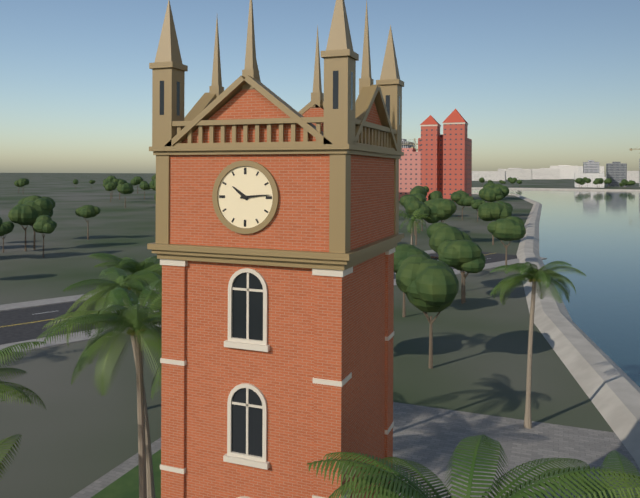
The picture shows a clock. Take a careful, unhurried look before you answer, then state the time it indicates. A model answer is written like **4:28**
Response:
**10:14**
